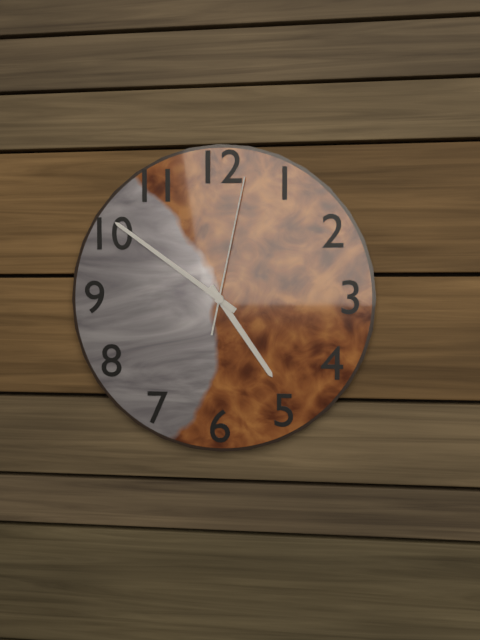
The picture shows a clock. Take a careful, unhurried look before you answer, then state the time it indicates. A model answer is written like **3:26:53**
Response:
**4:51:02**
